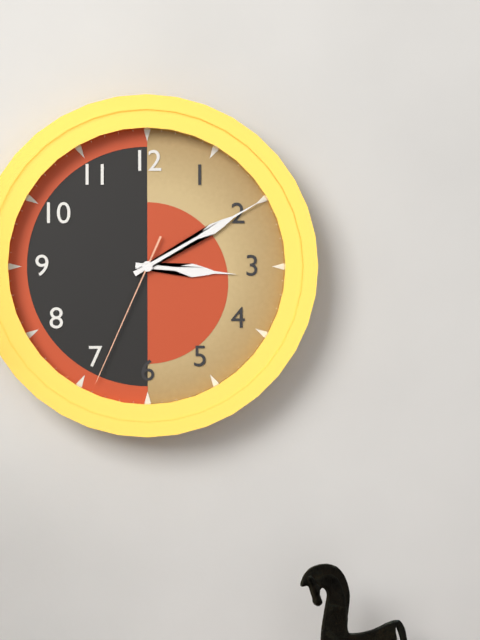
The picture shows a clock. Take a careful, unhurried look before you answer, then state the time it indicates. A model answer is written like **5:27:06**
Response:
**3:10:34**
